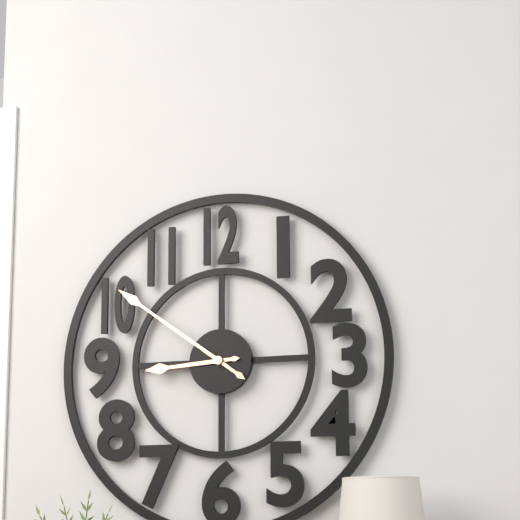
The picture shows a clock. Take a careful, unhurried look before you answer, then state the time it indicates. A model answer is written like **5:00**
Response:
**8:51**
